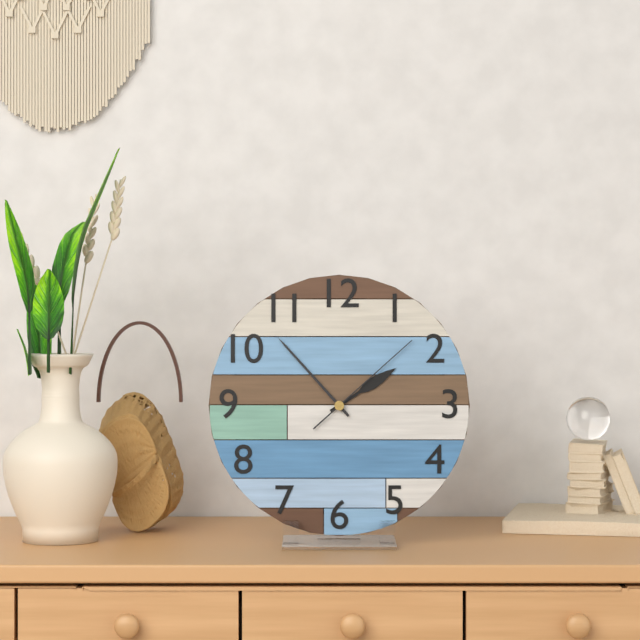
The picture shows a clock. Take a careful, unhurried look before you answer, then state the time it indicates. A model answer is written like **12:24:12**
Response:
**1:53:08**
